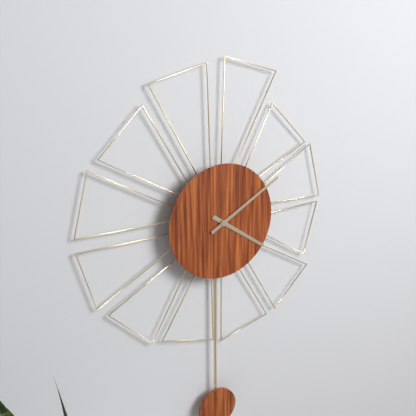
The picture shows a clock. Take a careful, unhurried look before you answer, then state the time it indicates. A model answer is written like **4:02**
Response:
**4:10**
